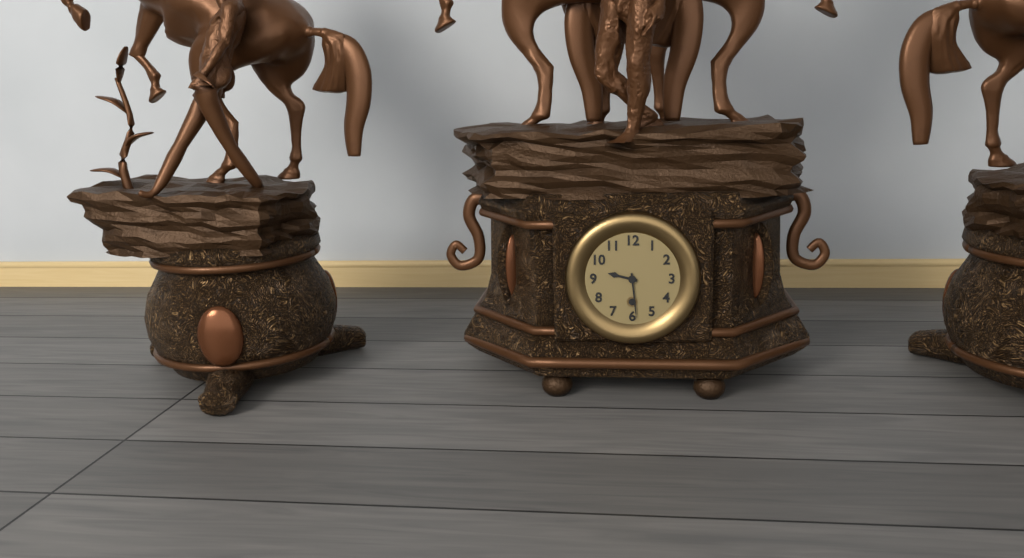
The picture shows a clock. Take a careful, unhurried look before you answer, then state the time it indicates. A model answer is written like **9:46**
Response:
**9:29**
